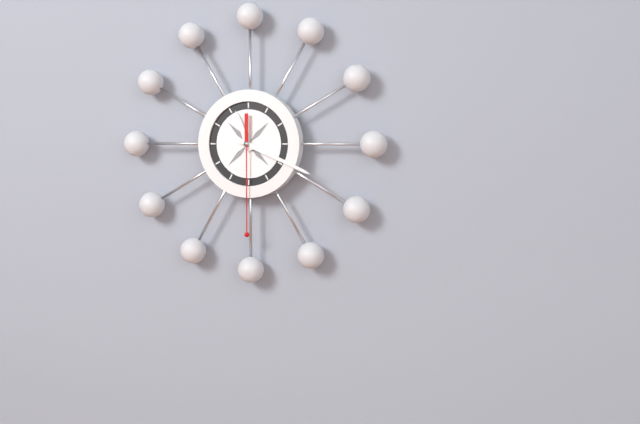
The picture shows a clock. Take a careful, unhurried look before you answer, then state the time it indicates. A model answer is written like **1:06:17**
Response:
**11:19:30**
